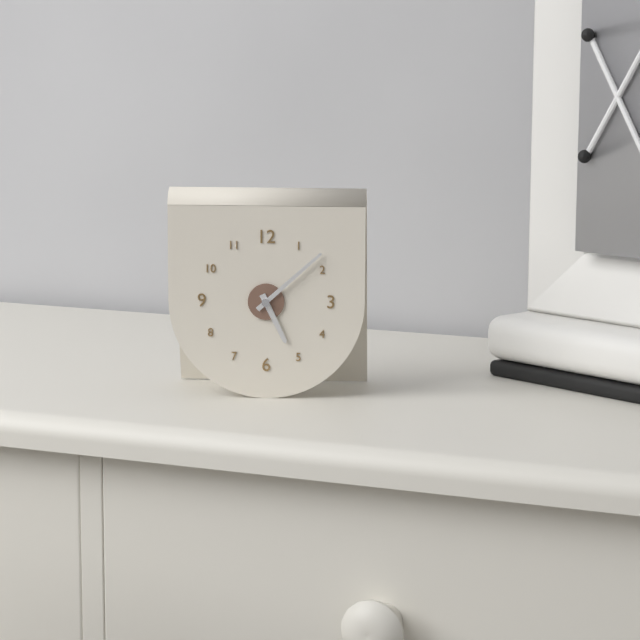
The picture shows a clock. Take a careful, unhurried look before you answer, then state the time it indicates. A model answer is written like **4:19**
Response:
**5:08**
